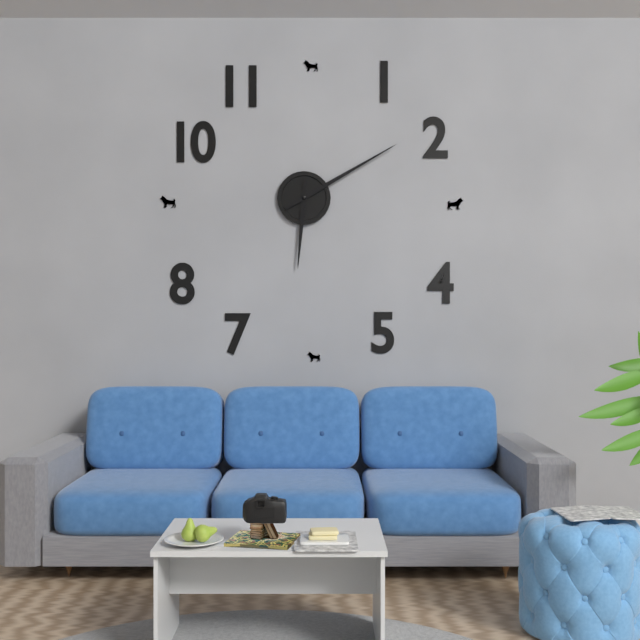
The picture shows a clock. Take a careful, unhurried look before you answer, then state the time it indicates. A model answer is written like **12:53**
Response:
**6:10**
